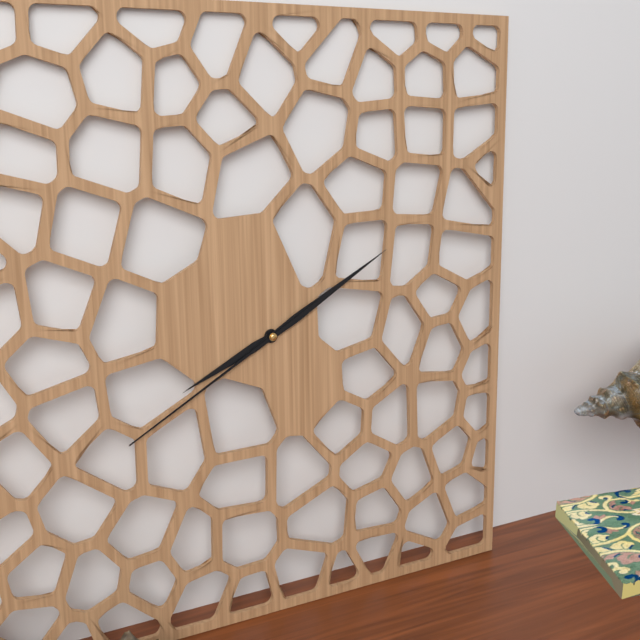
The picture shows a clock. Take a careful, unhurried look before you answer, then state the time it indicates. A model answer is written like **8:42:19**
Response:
**8:10:40**
